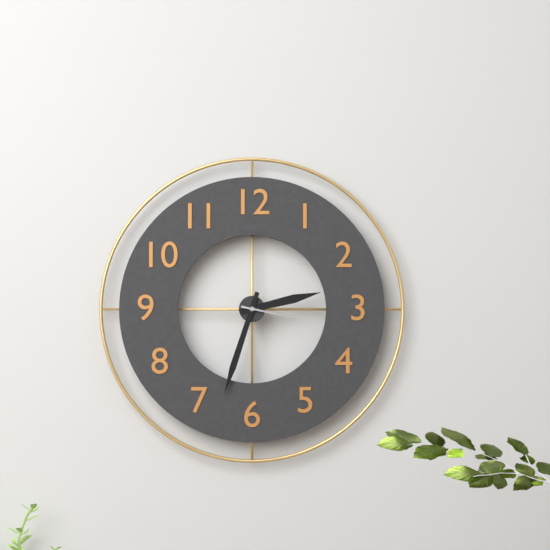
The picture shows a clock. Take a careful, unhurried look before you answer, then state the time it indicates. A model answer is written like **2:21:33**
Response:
**2:33:17**
